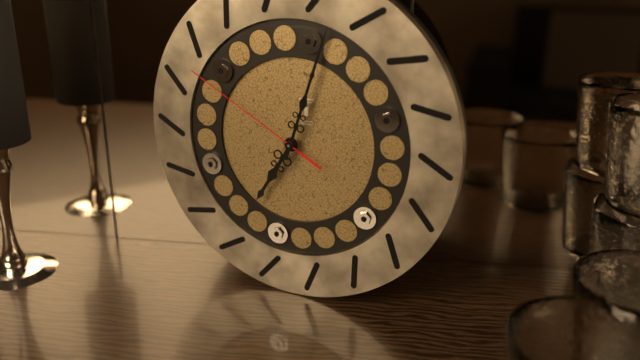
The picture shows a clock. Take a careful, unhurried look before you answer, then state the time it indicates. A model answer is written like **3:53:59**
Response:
**7:03:50**
